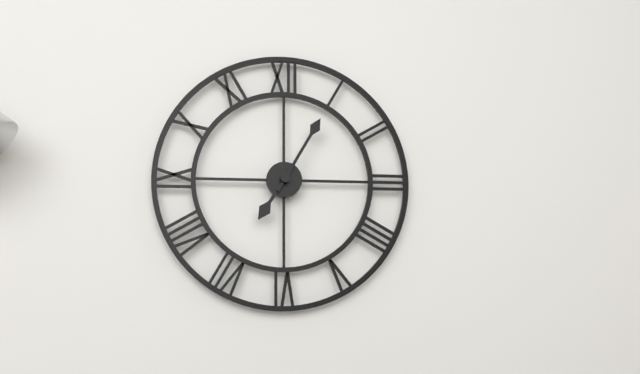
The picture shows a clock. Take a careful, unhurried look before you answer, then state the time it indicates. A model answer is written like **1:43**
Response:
**7:05**
